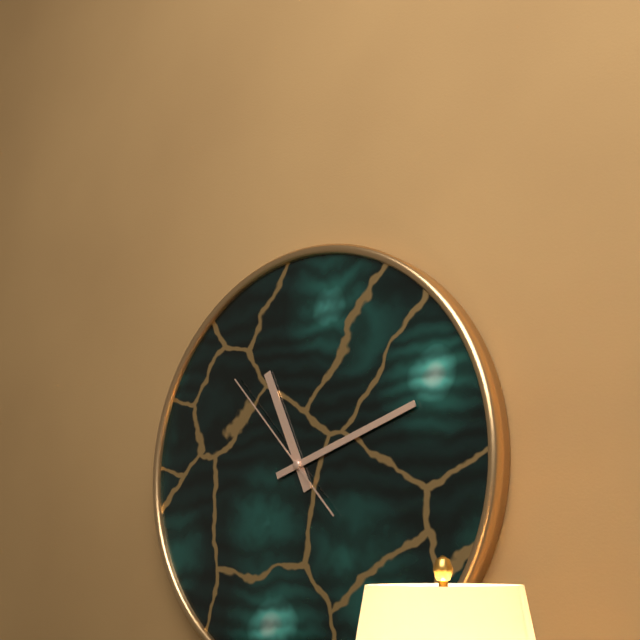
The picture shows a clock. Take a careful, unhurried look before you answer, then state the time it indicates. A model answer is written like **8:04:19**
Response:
**11:12:53**
